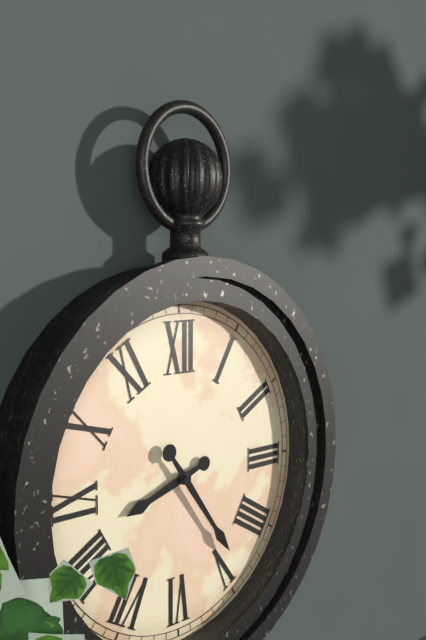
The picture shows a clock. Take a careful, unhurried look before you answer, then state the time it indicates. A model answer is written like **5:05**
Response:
**8:24**
